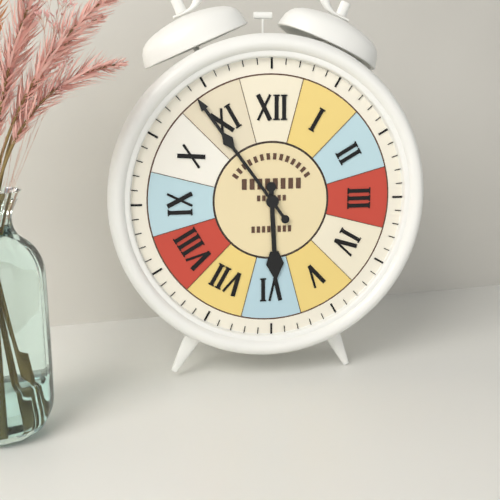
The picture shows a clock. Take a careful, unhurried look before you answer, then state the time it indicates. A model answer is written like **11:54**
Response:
**5:54**
